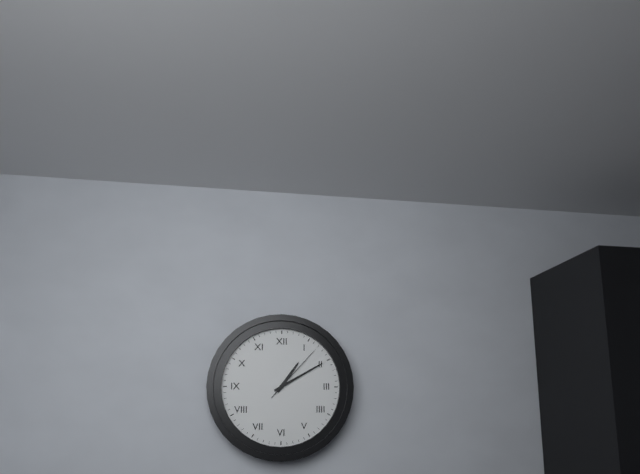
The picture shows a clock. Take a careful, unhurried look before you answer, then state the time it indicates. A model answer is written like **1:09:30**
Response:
**1:10:07**
